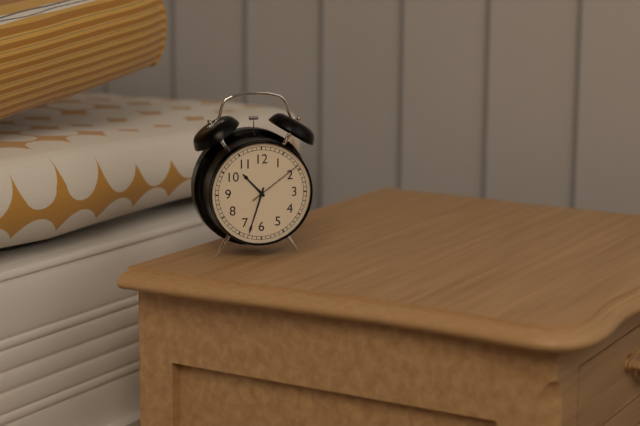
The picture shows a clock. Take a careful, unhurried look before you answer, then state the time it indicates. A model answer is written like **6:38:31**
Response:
**10:33:09**
